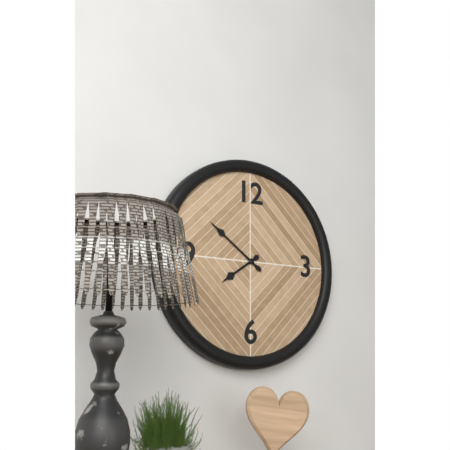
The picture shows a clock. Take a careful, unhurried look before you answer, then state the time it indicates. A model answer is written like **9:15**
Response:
**7:51**
